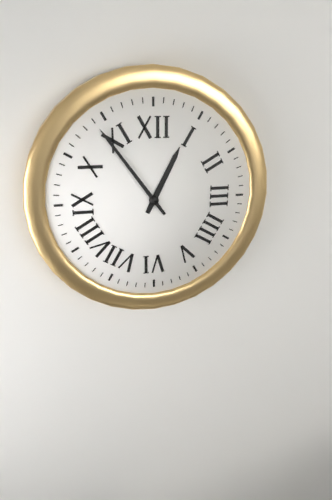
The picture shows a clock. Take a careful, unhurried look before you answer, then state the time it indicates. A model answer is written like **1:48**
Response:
**12:54**
